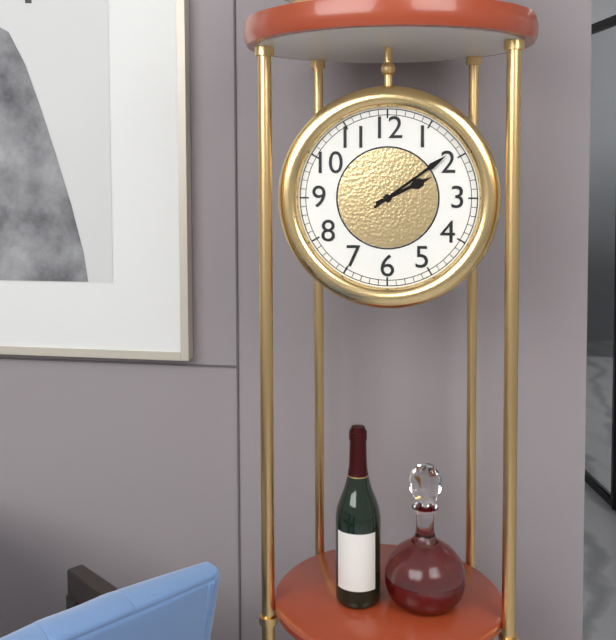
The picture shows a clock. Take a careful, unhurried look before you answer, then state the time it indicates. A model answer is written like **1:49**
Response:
**2:09**
